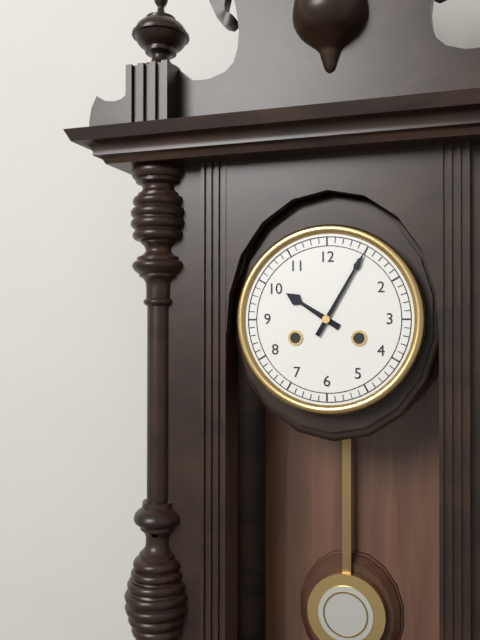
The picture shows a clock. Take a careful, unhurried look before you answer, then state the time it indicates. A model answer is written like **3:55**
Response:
**10:05**
